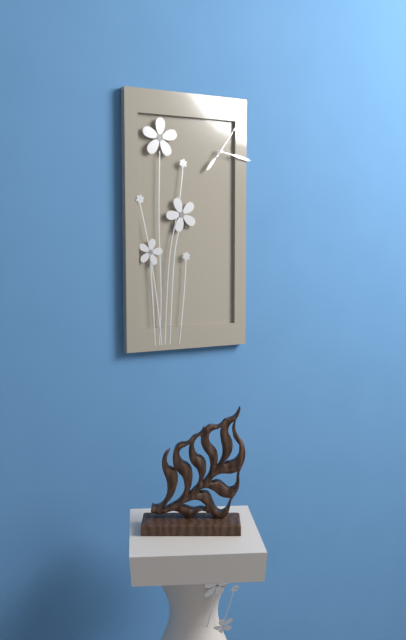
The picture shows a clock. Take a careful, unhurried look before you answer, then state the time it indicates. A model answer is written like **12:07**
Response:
**7:17**
